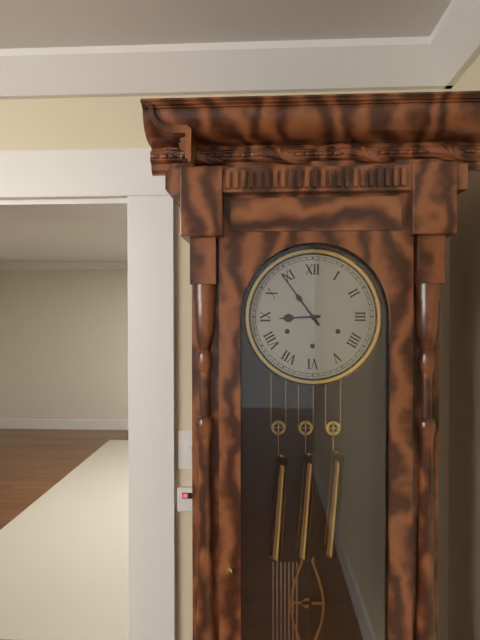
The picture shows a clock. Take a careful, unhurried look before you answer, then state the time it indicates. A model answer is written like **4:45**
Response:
**8:54**
